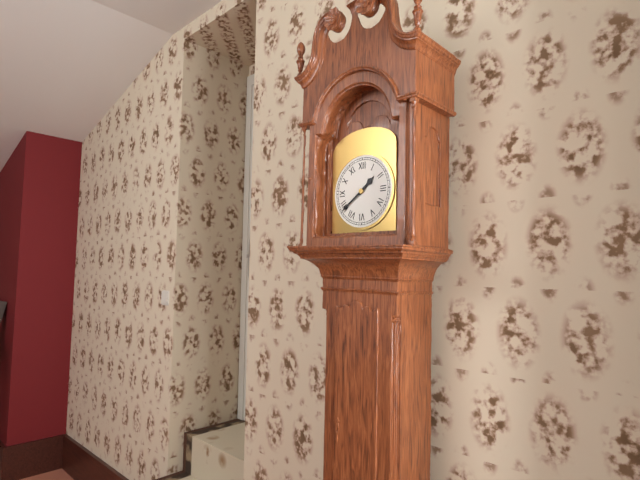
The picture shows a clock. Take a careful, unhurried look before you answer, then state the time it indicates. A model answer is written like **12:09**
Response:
**1:39**
